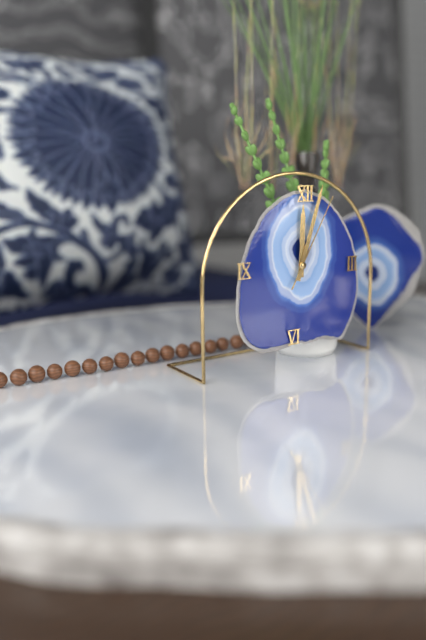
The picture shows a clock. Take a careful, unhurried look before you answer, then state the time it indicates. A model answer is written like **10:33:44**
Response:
**12:03:05**
